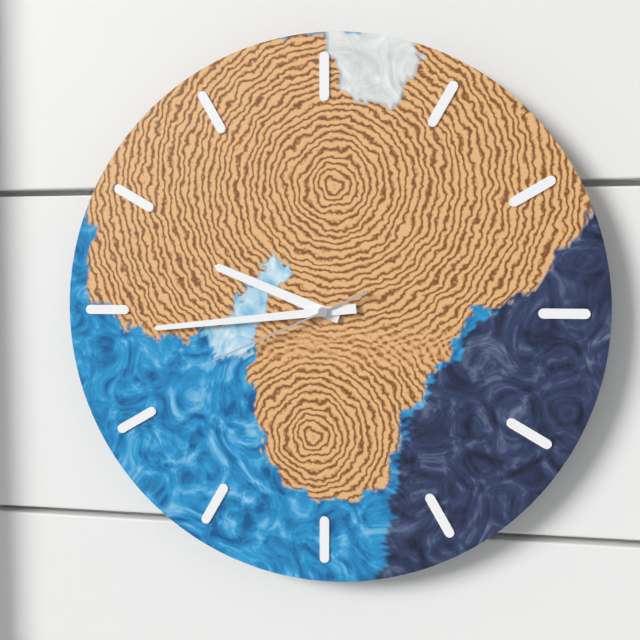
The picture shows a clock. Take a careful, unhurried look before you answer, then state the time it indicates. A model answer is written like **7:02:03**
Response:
**9:44:41**
